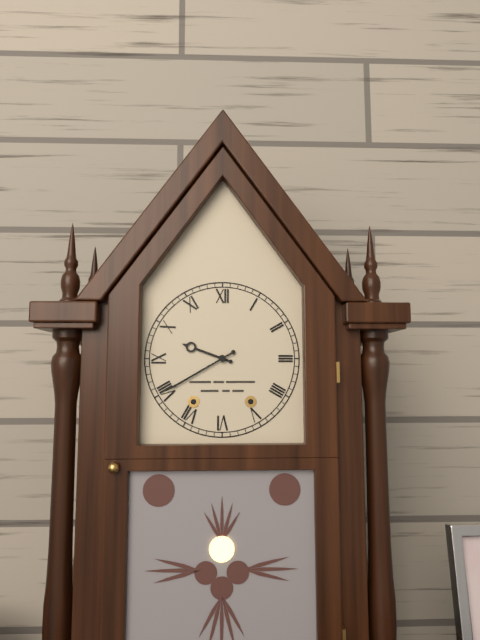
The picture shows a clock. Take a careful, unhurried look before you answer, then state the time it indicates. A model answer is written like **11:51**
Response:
**9:40**
